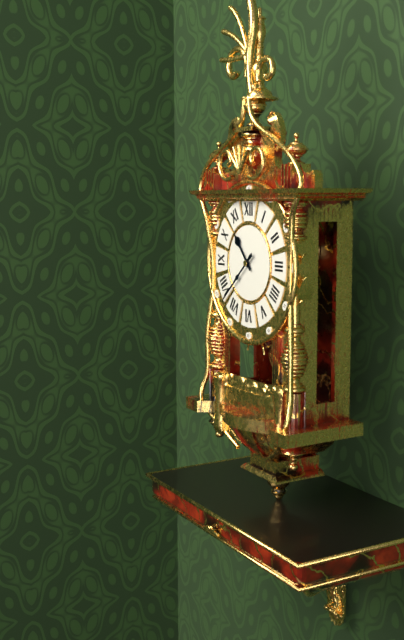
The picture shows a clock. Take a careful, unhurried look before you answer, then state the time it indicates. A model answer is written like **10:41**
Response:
**10:38**
